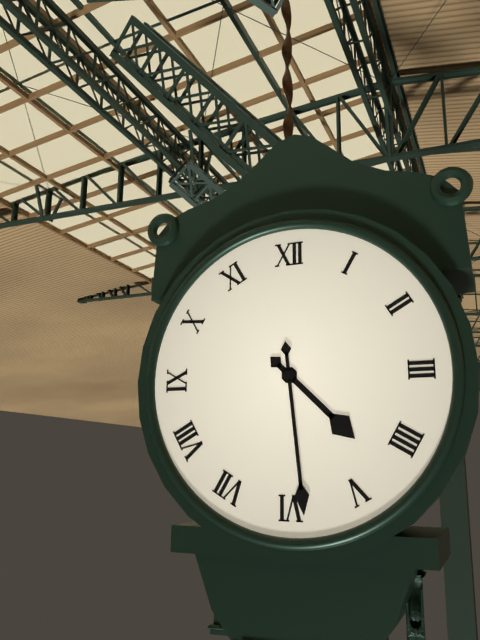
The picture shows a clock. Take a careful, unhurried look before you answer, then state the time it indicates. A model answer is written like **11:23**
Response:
**4:29**
